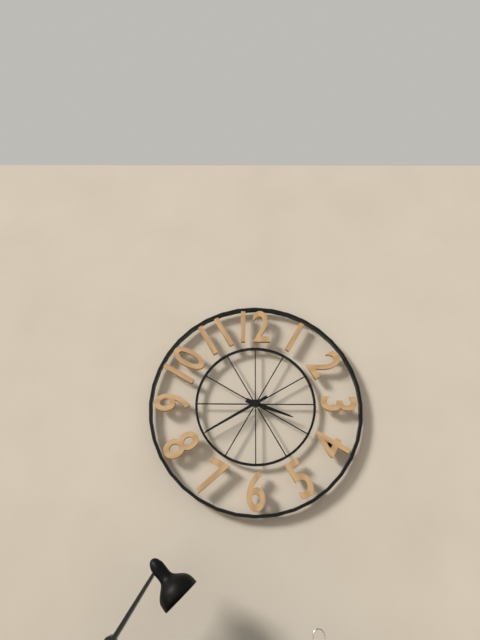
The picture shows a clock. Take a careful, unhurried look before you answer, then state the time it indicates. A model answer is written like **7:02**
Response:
**3:40**
